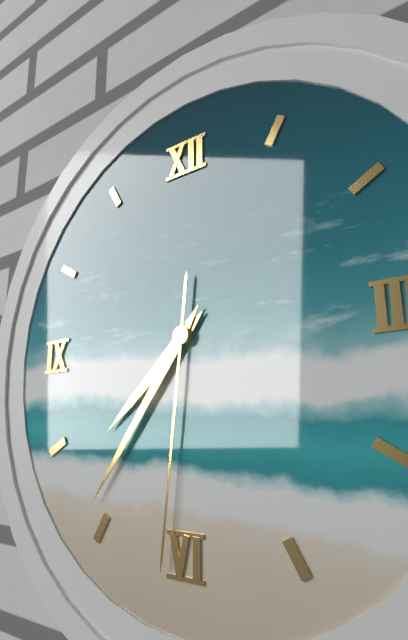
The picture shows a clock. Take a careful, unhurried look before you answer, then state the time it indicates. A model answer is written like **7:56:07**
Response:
**7:36:31**
